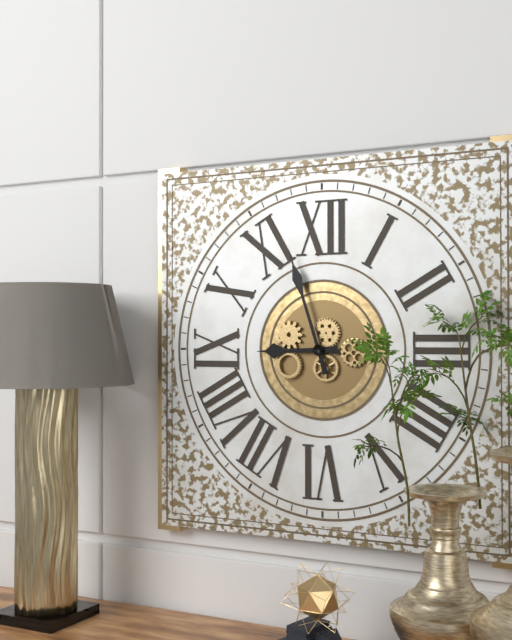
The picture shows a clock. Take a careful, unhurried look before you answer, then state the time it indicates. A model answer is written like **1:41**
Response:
**8:57**
